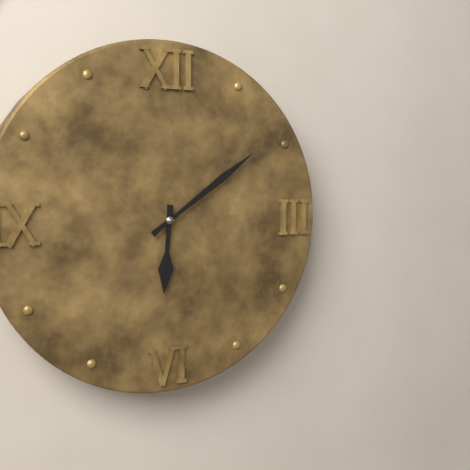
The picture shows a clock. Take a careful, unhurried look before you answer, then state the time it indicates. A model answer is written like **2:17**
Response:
**6:09**
